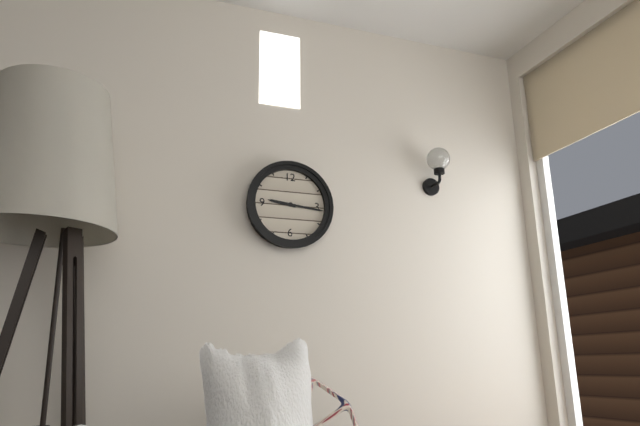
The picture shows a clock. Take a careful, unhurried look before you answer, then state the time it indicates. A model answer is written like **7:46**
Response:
**9:16**
